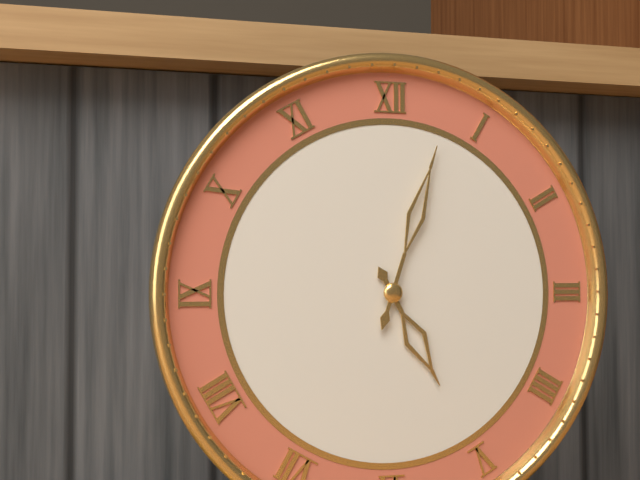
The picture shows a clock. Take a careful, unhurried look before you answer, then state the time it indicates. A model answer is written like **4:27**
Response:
**5:03**
